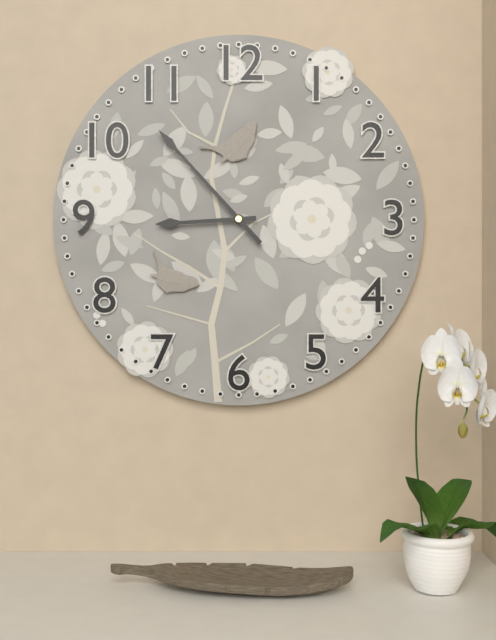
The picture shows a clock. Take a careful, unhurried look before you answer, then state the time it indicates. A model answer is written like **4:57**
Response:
**8:53**
